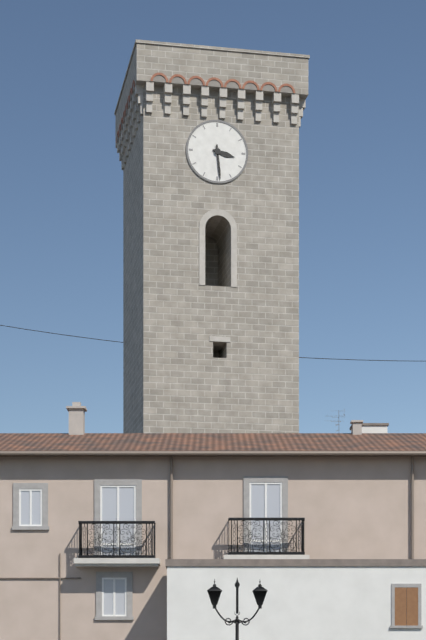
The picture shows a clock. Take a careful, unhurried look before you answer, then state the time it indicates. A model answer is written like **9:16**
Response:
**3:29**
